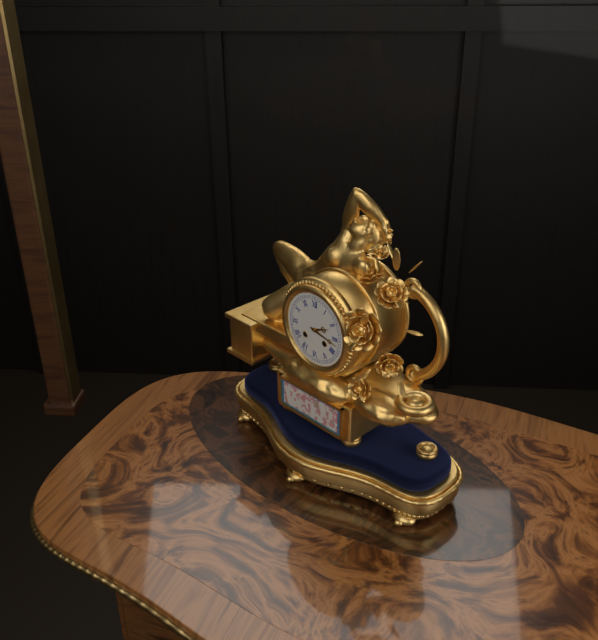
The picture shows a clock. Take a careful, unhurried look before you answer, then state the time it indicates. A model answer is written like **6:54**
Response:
**2:17**
